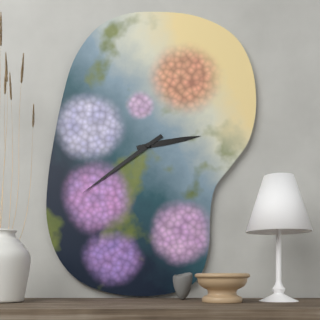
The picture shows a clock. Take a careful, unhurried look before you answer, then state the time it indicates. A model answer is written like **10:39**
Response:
**2:39**
